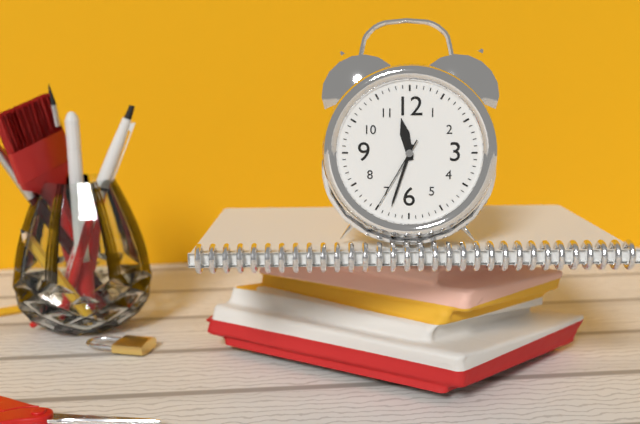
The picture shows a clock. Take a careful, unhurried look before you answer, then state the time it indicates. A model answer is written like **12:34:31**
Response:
**11:33:35**
